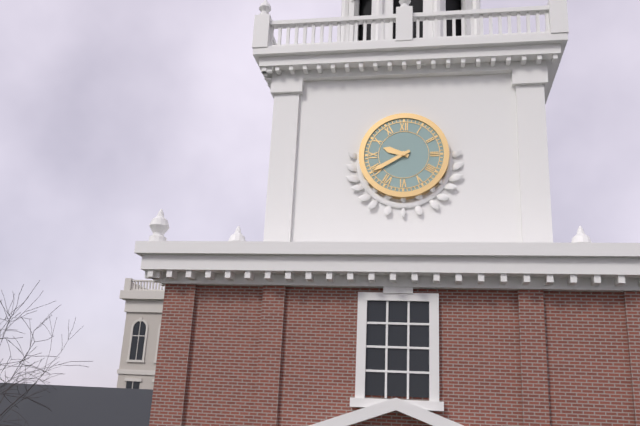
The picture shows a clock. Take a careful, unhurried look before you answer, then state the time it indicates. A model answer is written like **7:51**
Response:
**9:40**
